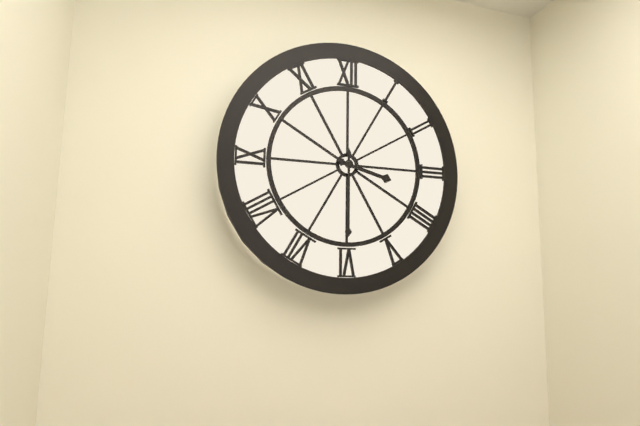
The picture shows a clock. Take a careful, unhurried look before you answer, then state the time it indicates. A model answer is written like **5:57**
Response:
**3:30**
